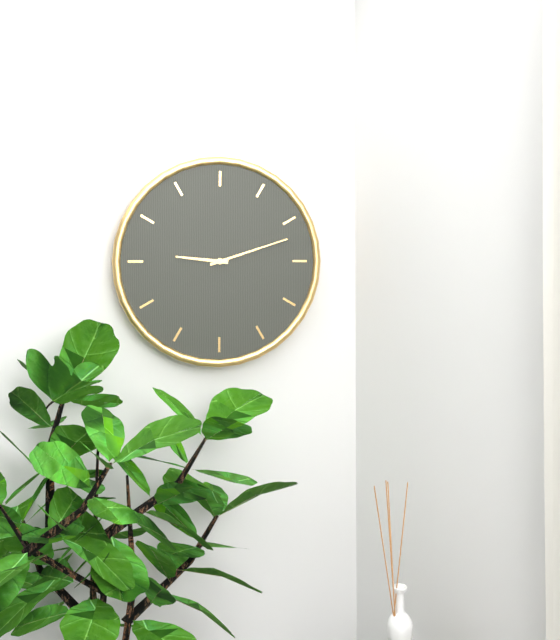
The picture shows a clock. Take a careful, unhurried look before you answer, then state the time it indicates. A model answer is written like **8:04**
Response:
**9:12**
